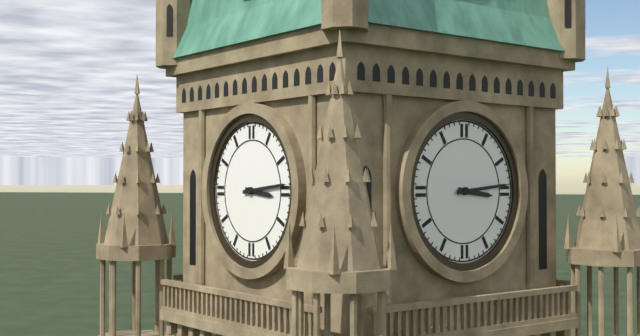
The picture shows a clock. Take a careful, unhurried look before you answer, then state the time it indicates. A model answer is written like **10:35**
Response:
**3:14**
